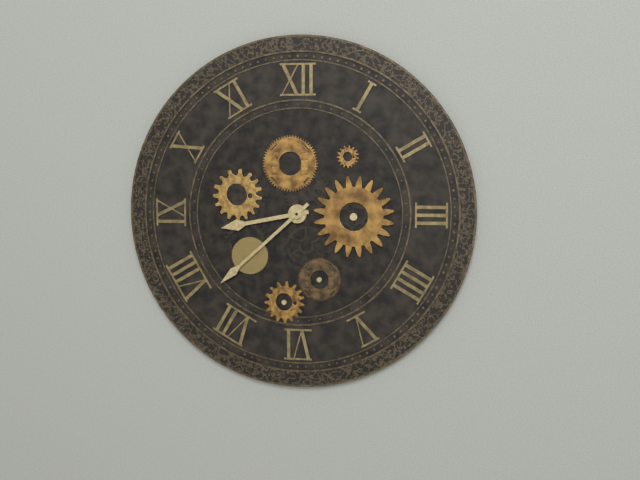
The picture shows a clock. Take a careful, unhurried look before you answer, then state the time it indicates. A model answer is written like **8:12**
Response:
**8:38**
